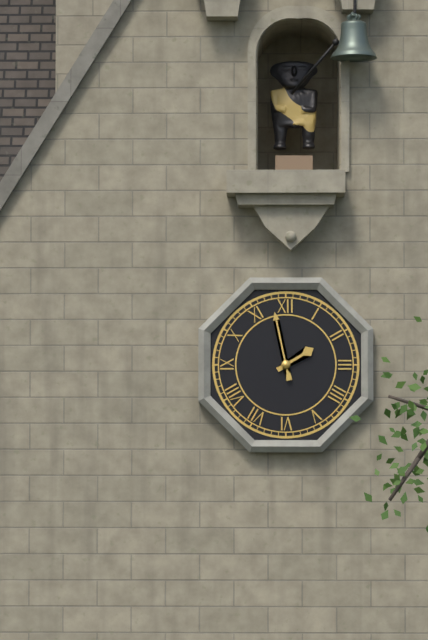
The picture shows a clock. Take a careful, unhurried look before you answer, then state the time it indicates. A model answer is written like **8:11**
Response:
**1:58**
